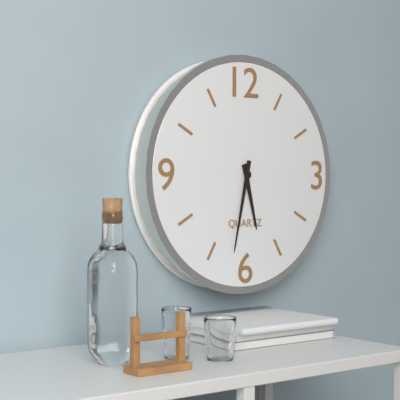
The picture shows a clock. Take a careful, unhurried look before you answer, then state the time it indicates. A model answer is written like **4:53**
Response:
**5:32**
